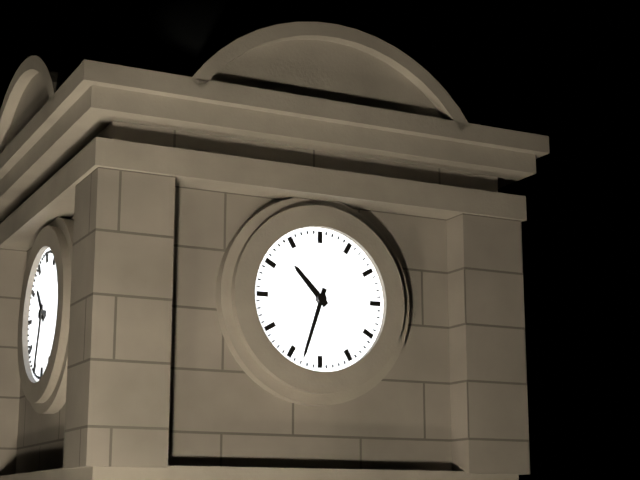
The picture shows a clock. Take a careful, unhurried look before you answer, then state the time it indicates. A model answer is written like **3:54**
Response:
**10:33**
